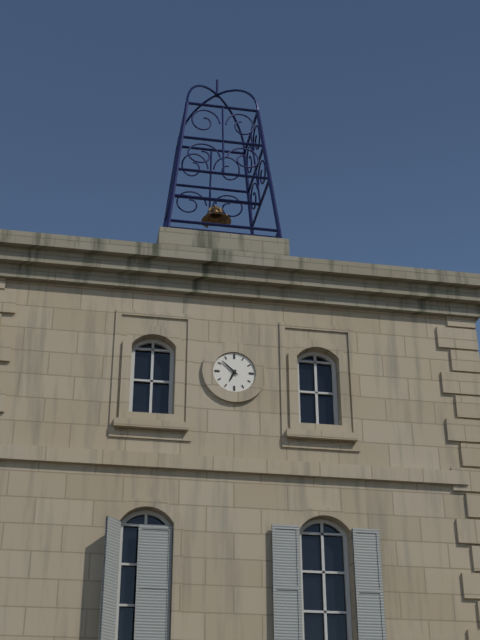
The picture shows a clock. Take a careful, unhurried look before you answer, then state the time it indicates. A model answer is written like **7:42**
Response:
**6:52**
